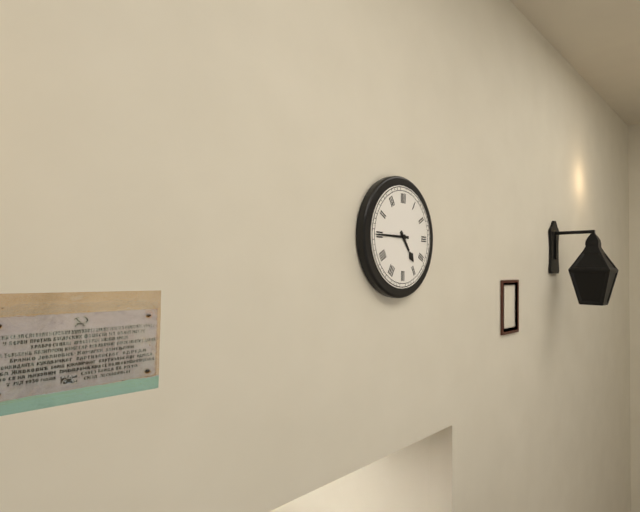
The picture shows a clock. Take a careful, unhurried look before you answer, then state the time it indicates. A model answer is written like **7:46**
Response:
**4:45**
